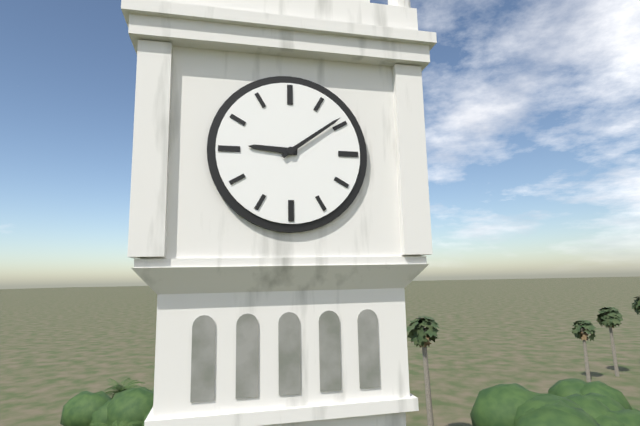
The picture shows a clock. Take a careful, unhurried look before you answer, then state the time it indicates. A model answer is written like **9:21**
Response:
**9:09**
